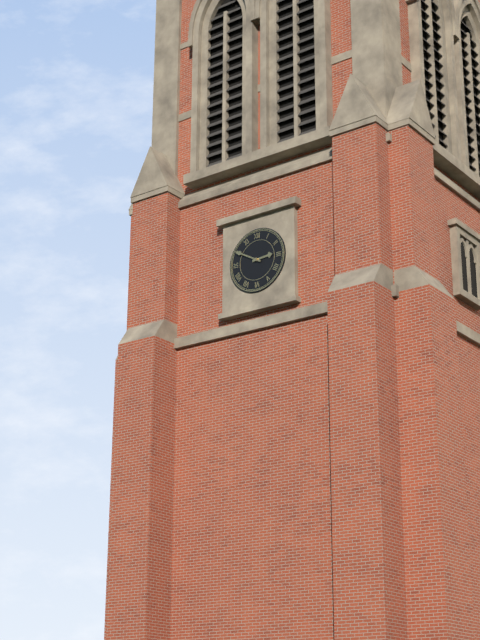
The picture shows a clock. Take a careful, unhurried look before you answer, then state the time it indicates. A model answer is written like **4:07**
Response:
**2:50**
